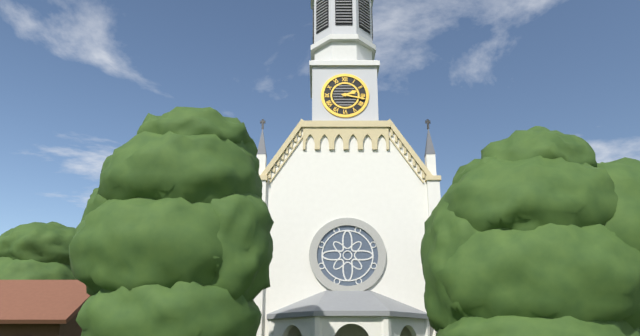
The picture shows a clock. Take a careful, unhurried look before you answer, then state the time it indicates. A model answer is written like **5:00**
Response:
**2:17**
